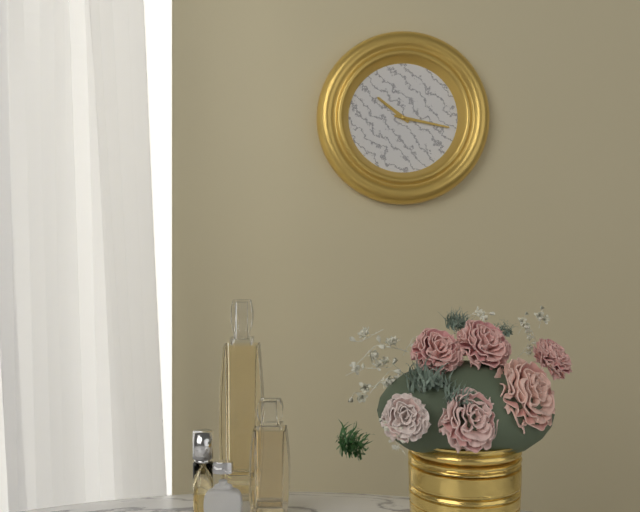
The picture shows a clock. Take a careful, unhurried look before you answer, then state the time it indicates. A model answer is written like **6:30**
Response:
**10:17**
